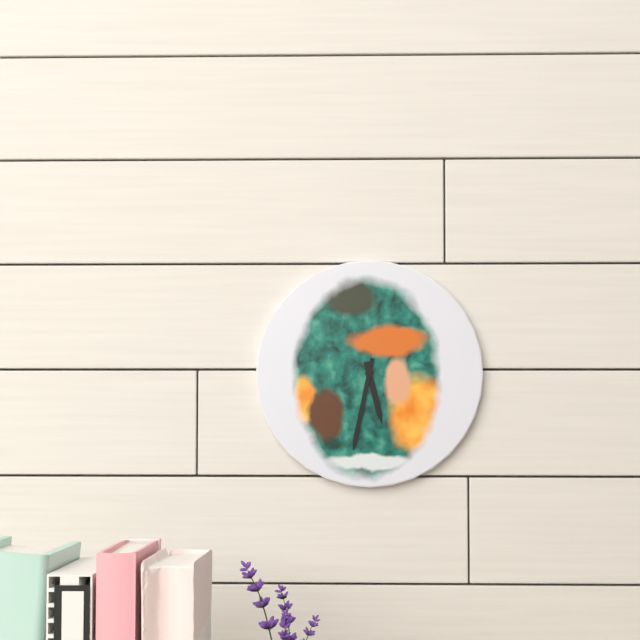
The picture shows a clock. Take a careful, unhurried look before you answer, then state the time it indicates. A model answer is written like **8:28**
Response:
**5:32**
